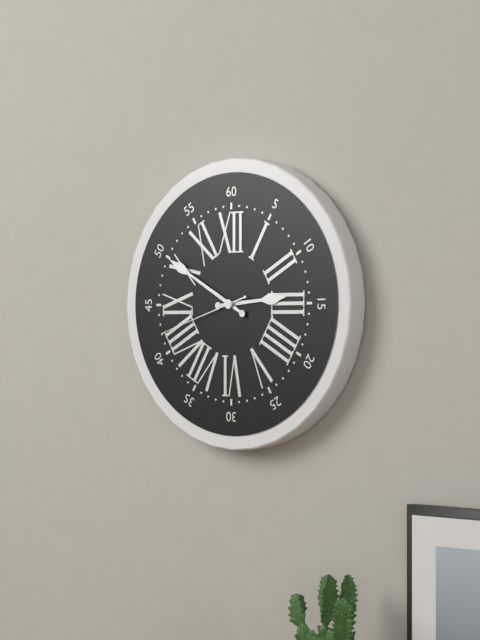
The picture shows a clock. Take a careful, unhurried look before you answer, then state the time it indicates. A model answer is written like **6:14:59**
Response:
**2:50:42**
